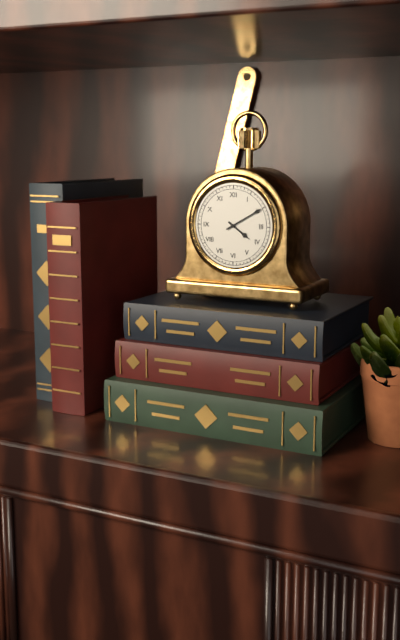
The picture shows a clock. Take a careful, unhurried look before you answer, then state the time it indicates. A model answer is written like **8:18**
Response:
**4:10**
